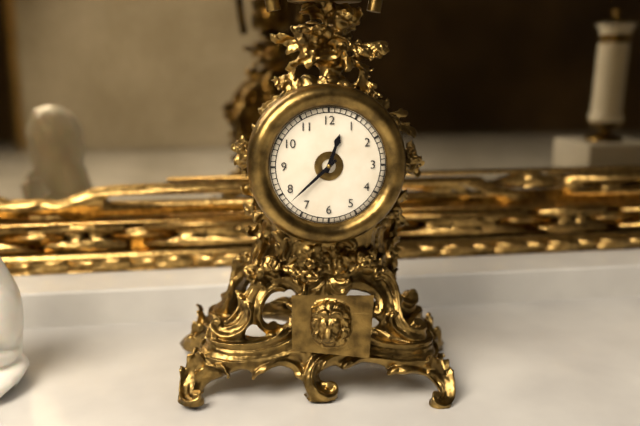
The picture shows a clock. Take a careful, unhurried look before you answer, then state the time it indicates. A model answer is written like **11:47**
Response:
**12:38**
